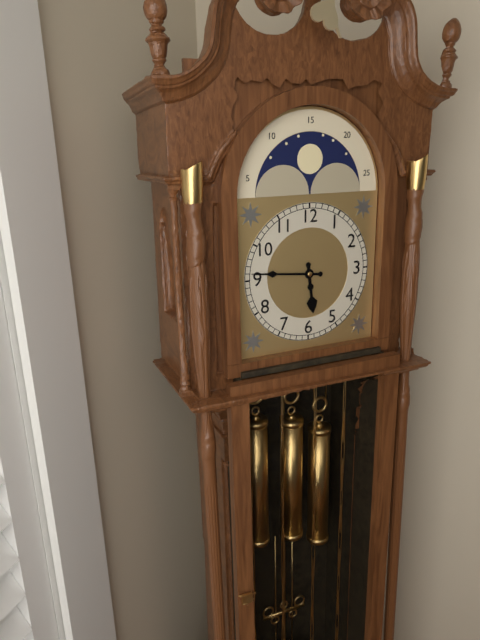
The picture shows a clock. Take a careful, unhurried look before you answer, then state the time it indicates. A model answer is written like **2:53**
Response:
**5:46**
